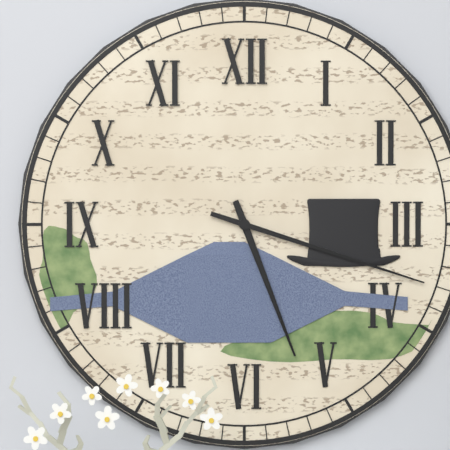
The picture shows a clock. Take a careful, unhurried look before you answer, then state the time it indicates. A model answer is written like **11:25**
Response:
**5:18**
